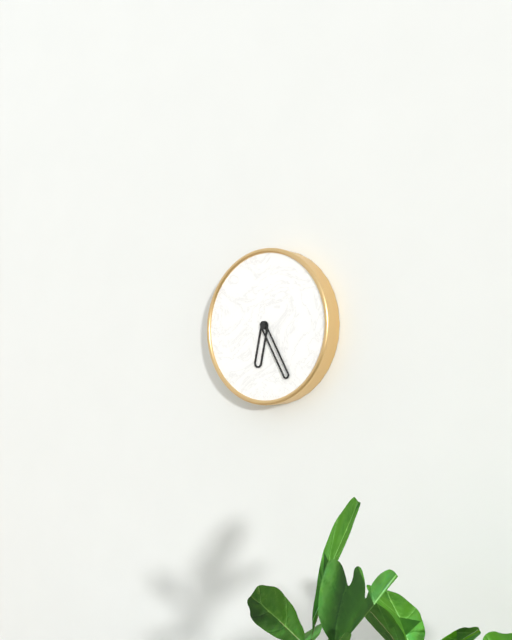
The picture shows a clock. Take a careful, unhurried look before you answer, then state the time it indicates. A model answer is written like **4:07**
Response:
**6:25**
